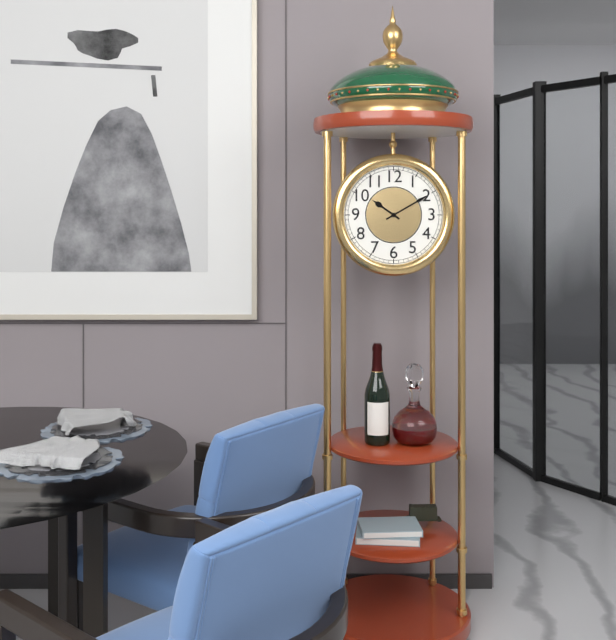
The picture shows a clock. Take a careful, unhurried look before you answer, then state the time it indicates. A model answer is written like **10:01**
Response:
**10:10**
